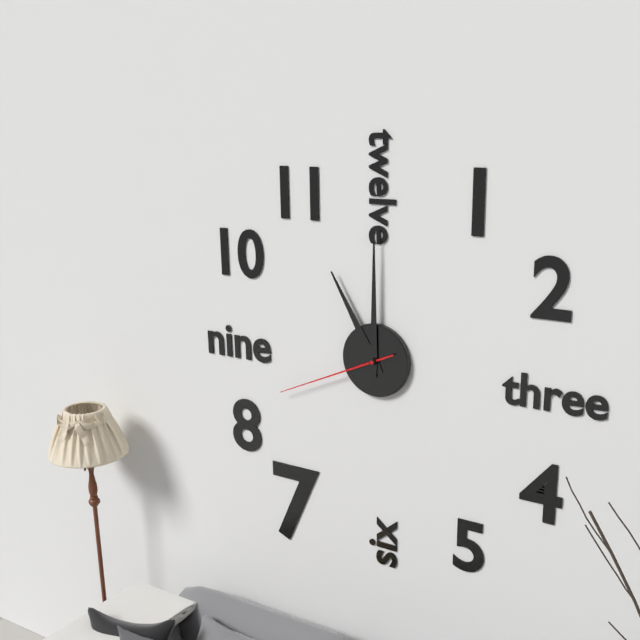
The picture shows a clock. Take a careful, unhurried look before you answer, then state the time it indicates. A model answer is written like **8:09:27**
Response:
**11:00:41**
